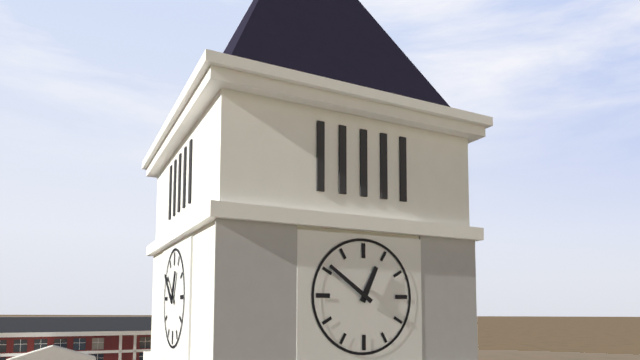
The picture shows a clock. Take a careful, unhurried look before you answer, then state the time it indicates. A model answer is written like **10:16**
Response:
**12:51**
